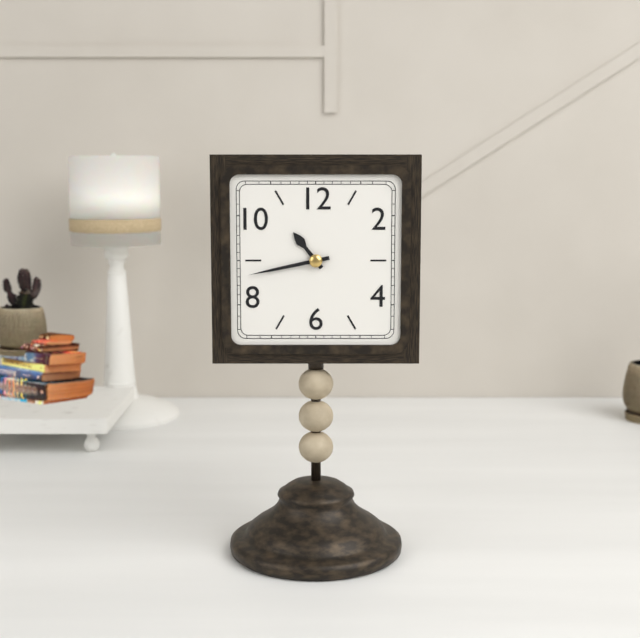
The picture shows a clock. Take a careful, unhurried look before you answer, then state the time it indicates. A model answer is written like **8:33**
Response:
**10:43**
